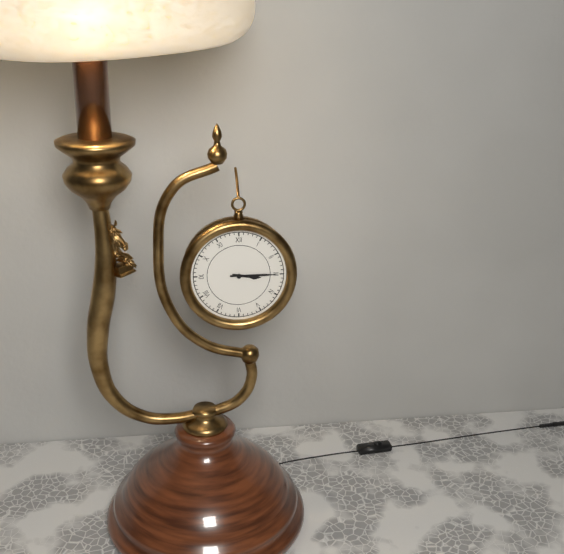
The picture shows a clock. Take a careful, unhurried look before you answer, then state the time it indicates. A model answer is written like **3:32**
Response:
**3:15**
